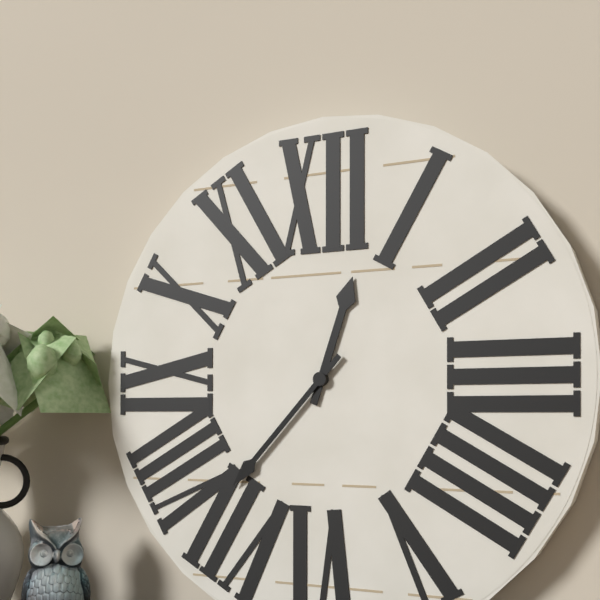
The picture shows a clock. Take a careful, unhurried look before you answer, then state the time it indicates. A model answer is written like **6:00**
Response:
**12:37**
